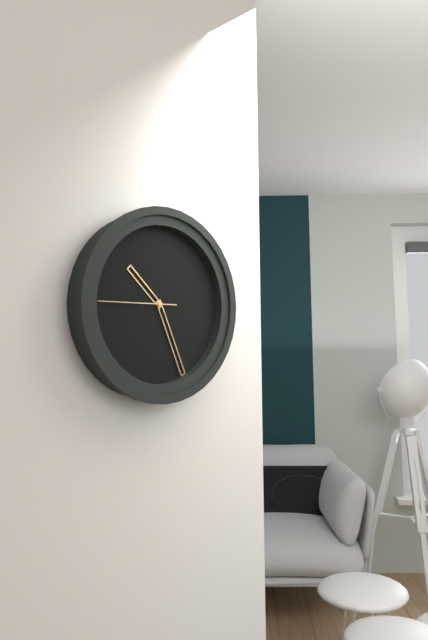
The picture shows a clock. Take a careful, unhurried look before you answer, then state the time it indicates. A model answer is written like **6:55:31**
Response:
**10:26:45**
